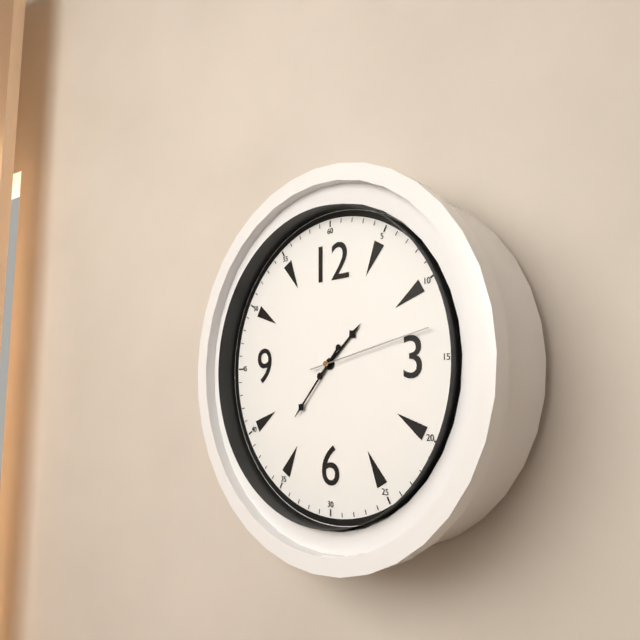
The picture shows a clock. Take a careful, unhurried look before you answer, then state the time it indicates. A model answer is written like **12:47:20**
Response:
**1:37:13**
